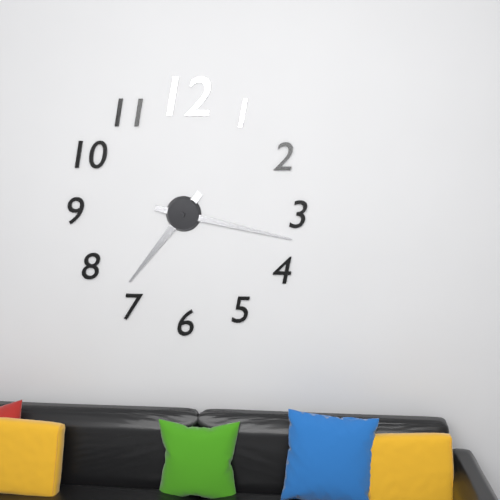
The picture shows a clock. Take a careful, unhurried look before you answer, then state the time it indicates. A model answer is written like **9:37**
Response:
**7:17**
